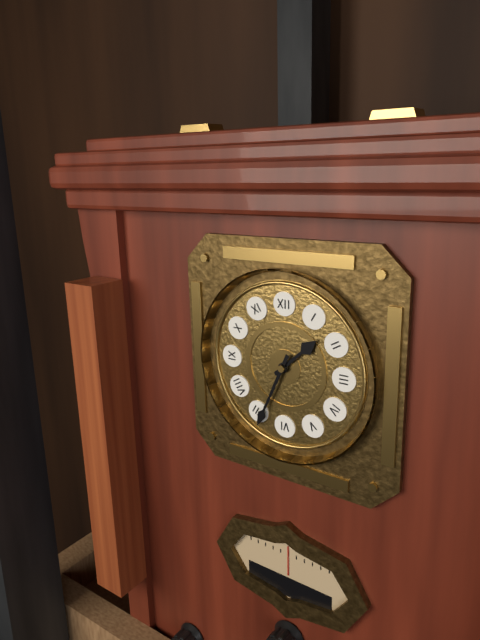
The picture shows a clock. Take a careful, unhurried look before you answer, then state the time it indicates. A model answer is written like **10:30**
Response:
**1:34**
